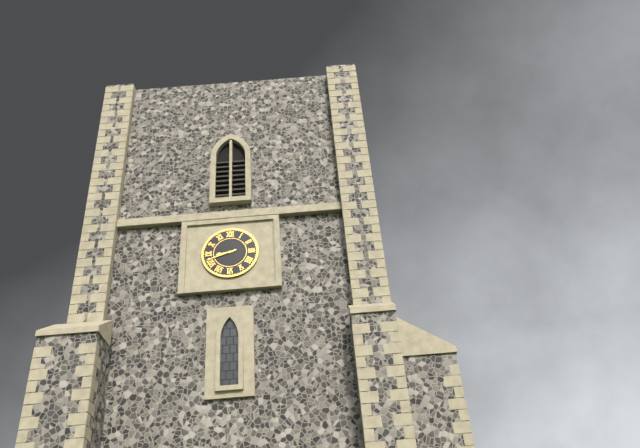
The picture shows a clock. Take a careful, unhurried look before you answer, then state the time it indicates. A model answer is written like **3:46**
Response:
**8:42**
